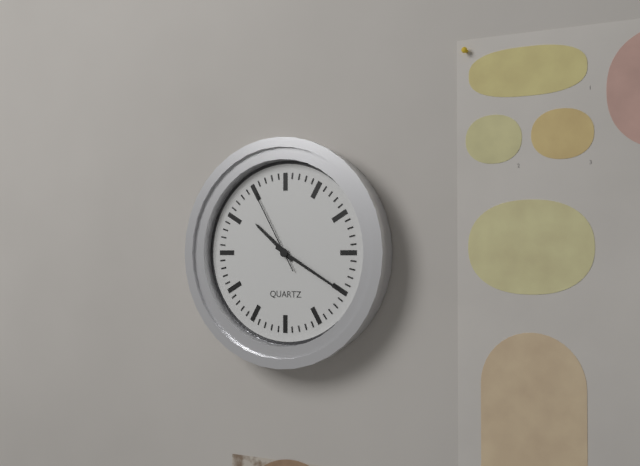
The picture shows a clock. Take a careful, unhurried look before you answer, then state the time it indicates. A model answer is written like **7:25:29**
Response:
**10:20:55**
